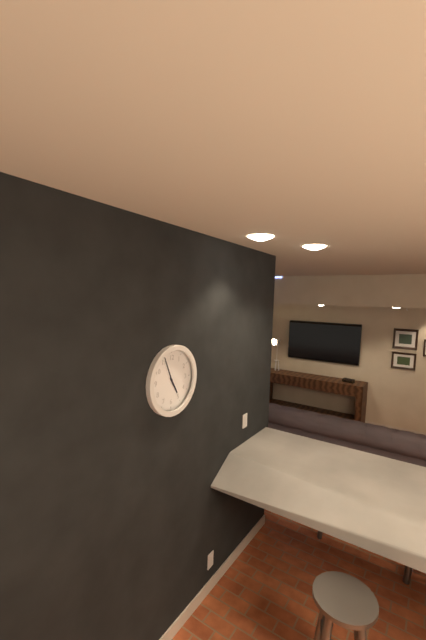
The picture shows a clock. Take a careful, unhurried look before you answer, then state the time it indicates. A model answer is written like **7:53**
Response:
**4:56**
